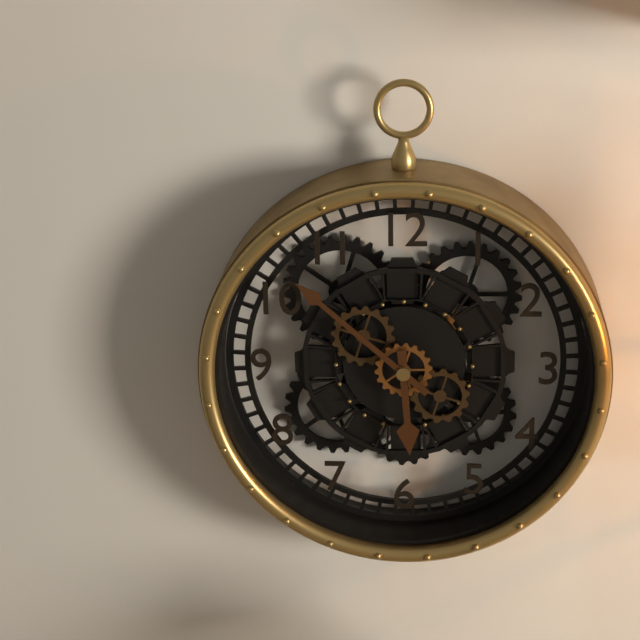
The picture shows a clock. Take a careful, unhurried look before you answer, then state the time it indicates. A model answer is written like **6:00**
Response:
**5:52**
